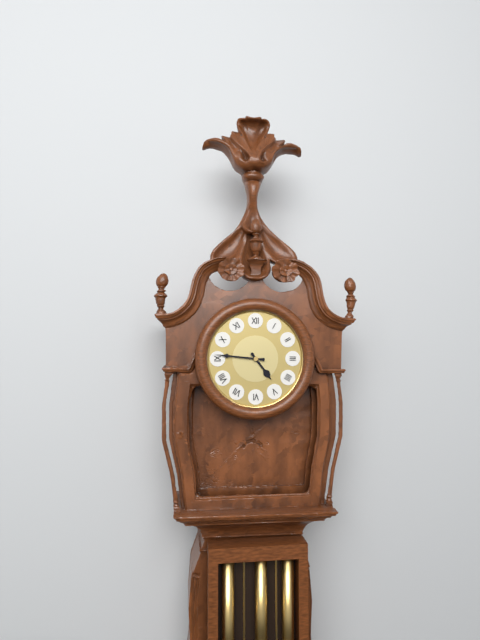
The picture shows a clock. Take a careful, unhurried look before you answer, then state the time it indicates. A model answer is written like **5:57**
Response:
**4:46**
